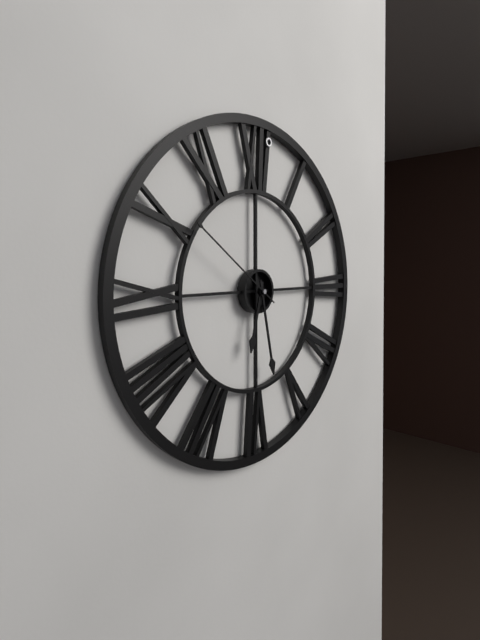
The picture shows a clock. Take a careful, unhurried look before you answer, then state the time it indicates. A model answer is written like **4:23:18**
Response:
**6:28:51**
